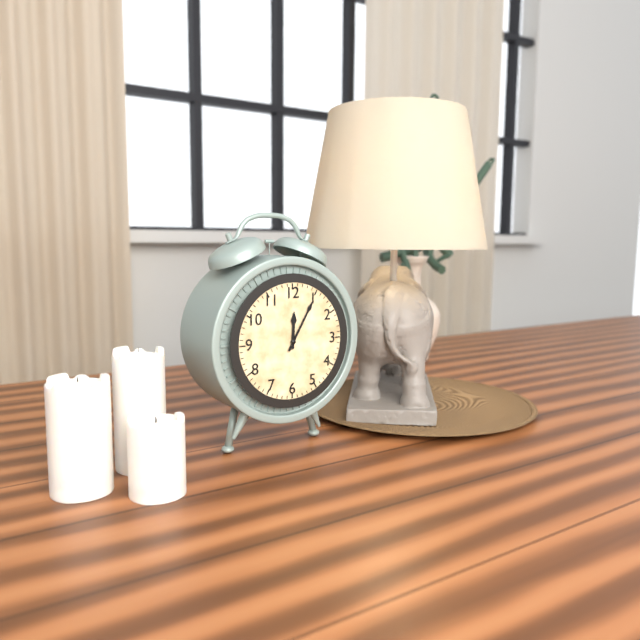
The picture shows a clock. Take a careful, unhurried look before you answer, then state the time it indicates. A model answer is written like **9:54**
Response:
**12:05**
